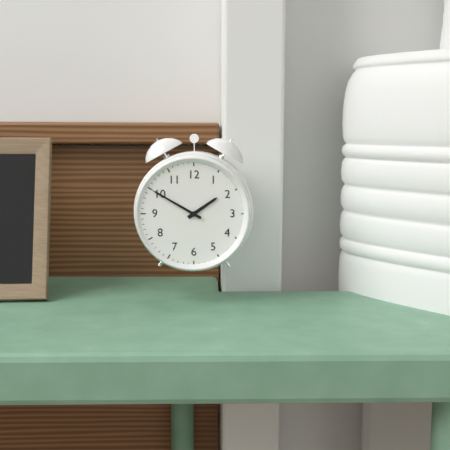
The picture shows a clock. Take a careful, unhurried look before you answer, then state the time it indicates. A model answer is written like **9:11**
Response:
**1:50**
